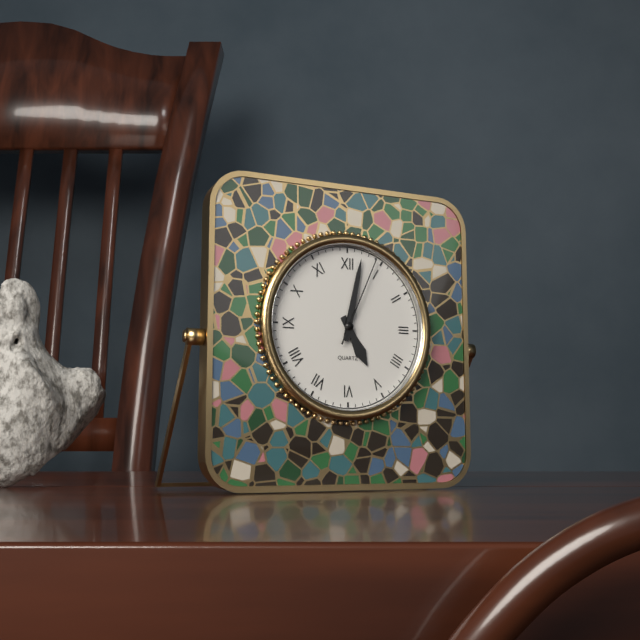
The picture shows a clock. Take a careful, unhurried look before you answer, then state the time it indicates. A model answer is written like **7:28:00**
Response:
**5:02:04**
